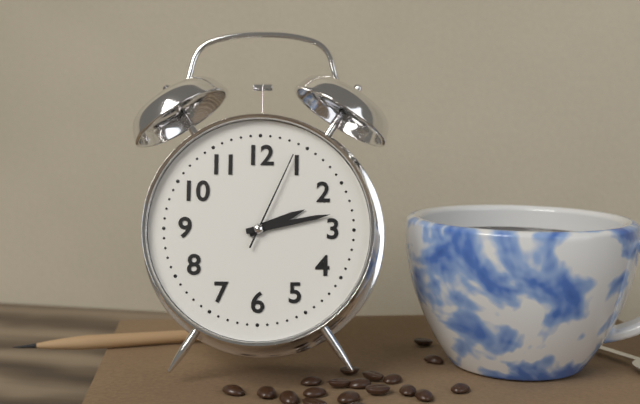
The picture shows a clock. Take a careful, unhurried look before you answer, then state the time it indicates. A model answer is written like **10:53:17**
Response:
**2:13:04**
